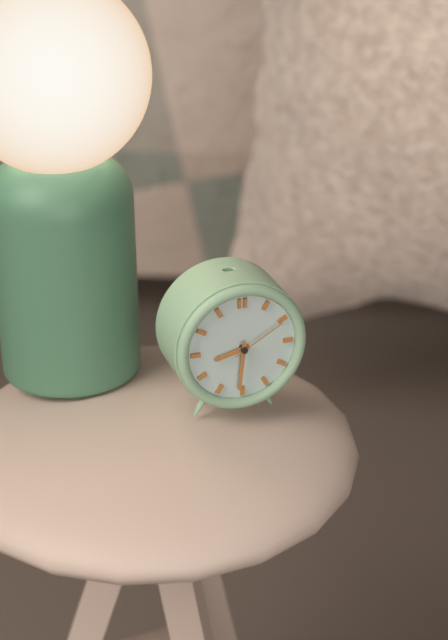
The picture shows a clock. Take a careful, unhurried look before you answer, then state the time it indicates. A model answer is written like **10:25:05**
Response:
**8:31:10**
